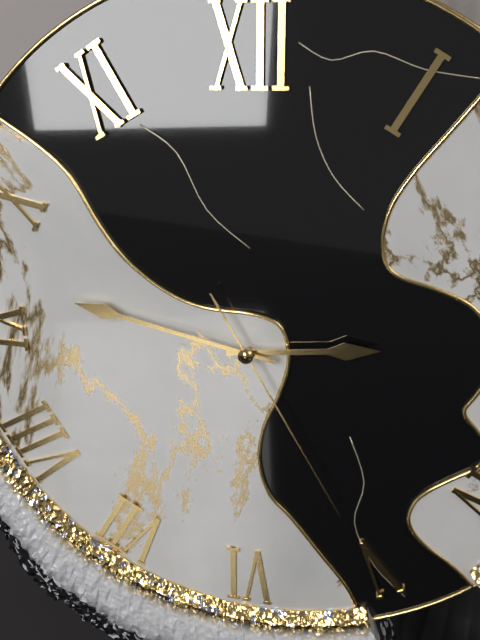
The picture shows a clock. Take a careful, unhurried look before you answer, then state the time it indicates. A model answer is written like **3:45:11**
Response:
**2:47:25**
